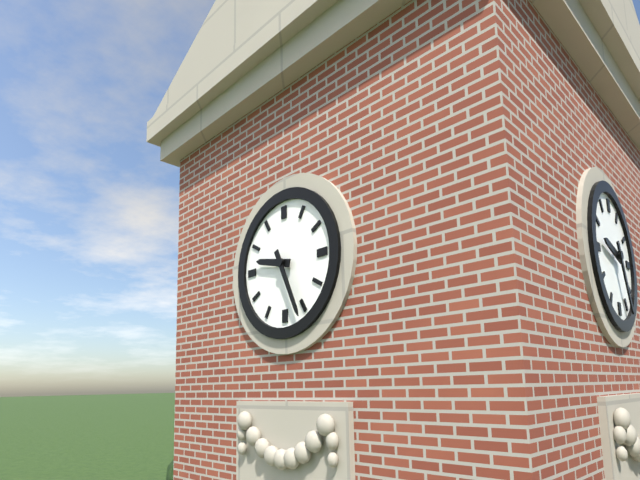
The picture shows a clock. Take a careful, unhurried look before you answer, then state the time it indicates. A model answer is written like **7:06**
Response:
**9:26**
